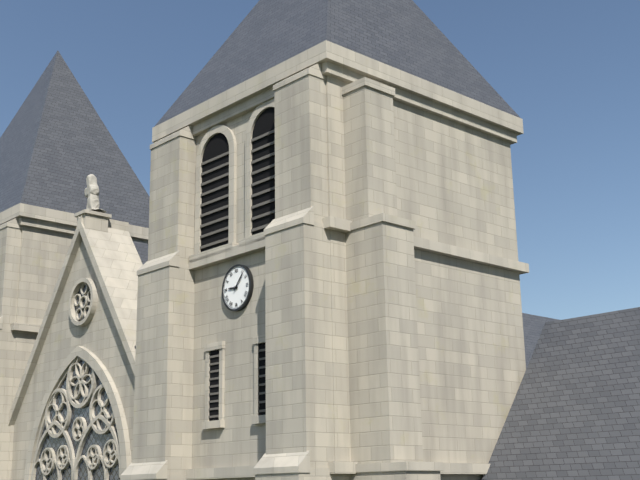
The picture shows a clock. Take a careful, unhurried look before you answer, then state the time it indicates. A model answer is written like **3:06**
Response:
**9:07**
